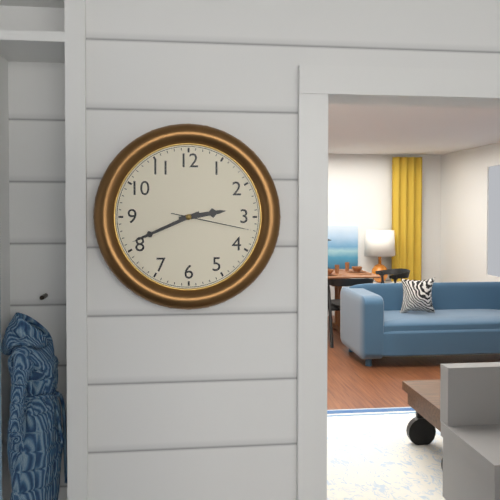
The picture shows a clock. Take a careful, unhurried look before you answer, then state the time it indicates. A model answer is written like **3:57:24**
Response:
**2:41:17**
